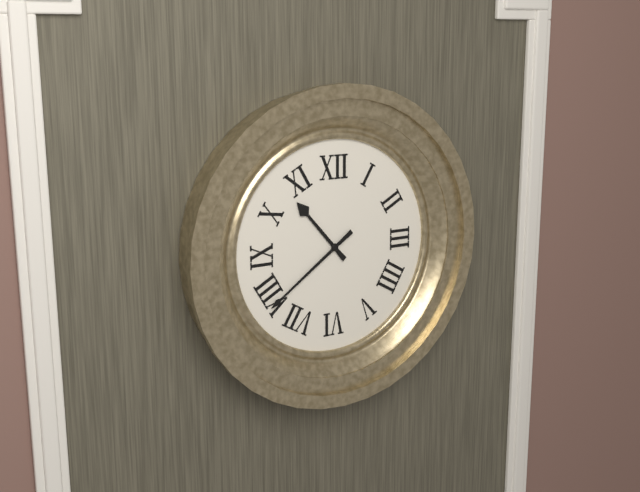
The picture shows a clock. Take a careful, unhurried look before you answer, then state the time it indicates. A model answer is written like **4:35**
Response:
**10:39**
